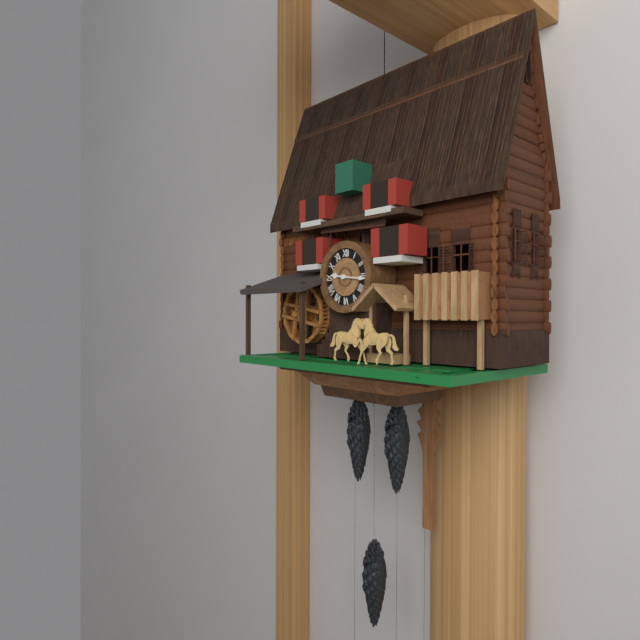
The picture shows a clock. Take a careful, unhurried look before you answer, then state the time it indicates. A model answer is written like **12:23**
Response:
**9:16**
